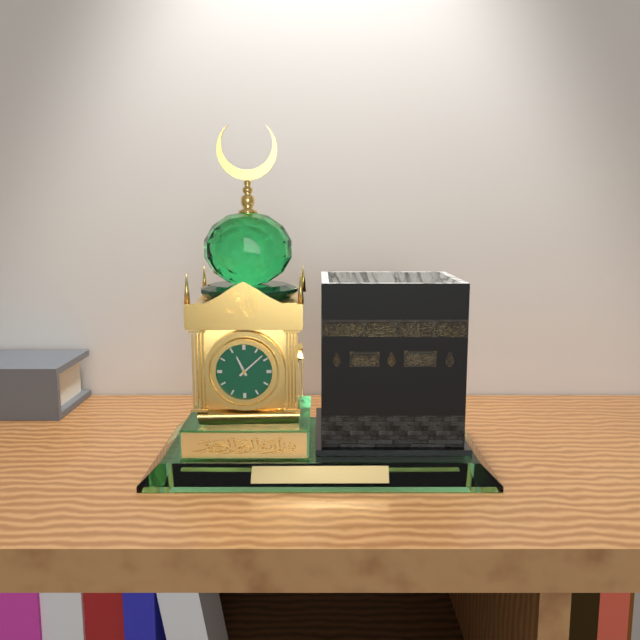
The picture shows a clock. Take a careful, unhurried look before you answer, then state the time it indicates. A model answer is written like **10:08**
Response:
**11:08**
